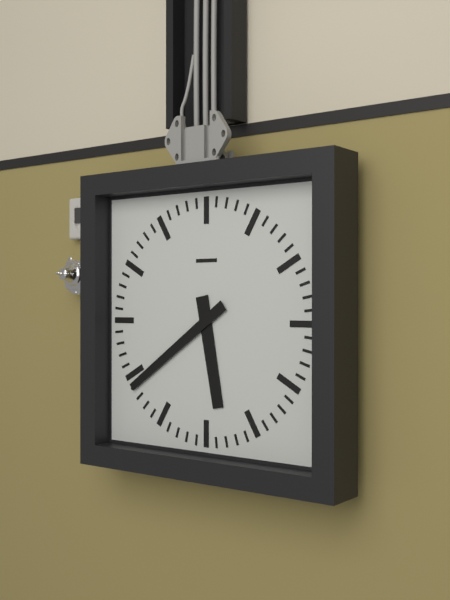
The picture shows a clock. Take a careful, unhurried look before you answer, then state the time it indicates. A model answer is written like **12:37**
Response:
**5:39**
